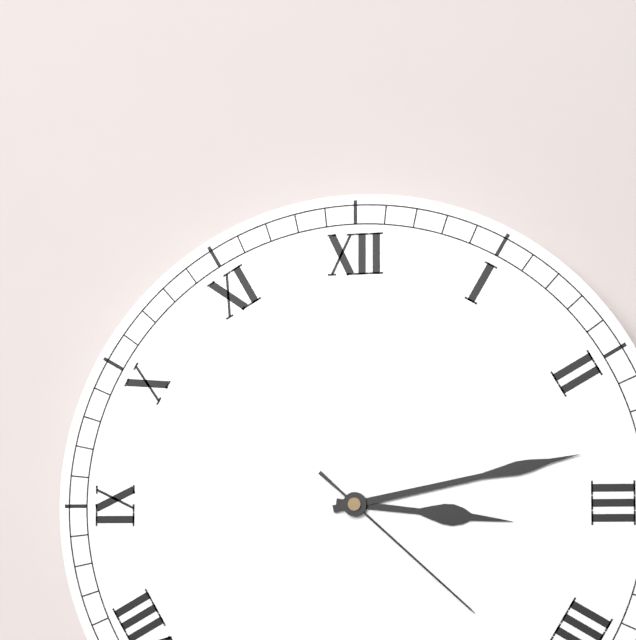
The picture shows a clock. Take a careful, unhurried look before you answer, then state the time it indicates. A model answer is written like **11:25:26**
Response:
**3:13:22**
